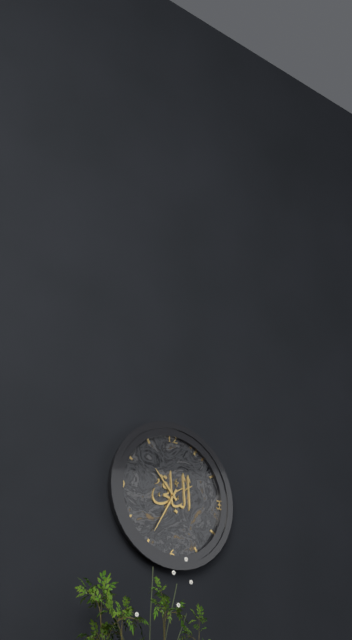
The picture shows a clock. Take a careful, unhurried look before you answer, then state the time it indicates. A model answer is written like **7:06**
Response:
**10:35**
